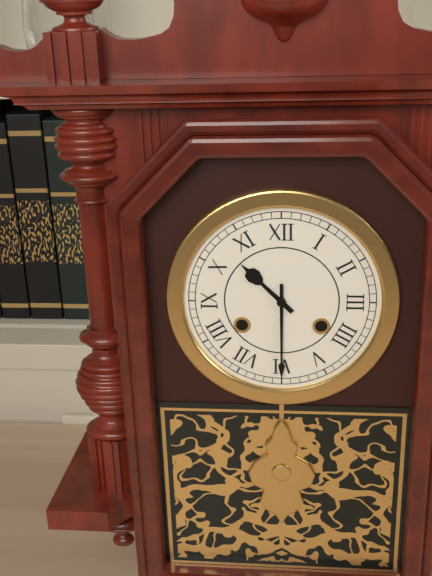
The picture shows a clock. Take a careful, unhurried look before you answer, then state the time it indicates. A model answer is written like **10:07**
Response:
**10:30**
